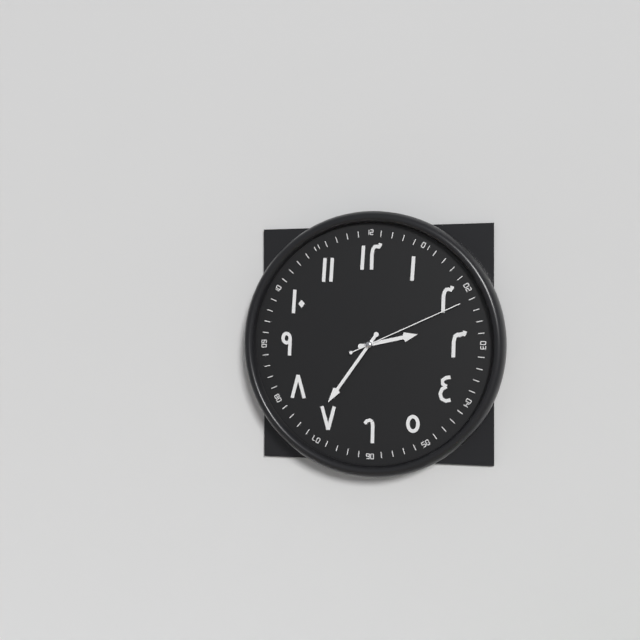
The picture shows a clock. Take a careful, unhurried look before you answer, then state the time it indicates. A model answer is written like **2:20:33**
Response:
**2:36:11**
